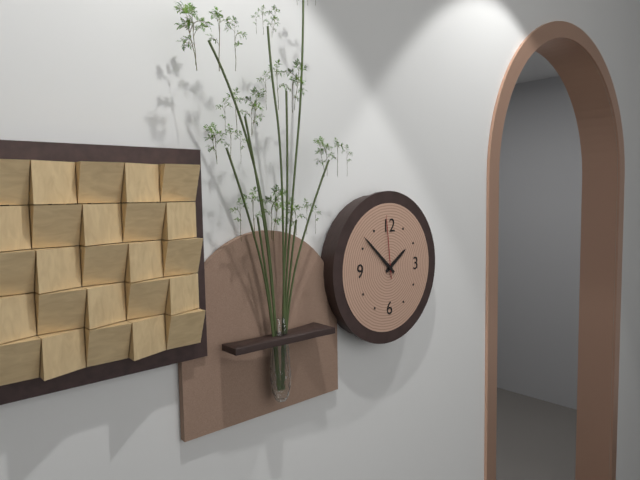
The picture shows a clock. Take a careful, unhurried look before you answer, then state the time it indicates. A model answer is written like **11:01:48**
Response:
**1:52:59**
